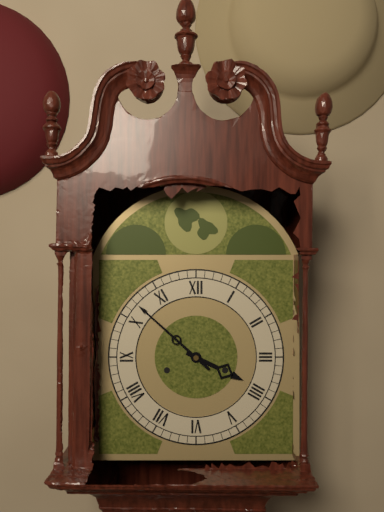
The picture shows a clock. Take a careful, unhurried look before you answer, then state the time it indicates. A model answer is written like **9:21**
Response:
**3:52**
